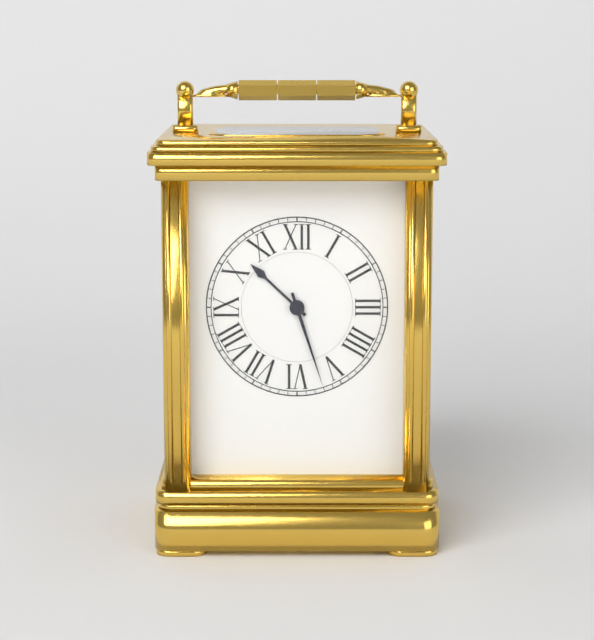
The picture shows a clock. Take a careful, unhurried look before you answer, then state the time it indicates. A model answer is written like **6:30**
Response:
**10:27**
